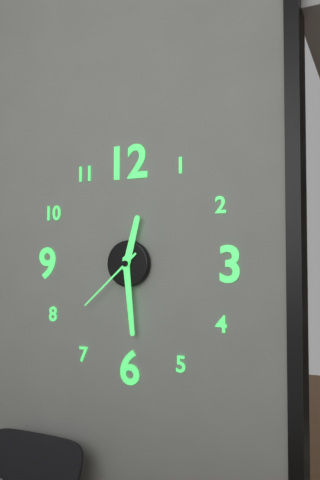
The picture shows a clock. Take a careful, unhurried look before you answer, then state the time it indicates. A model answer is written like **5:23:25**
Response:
**12:29:38**
